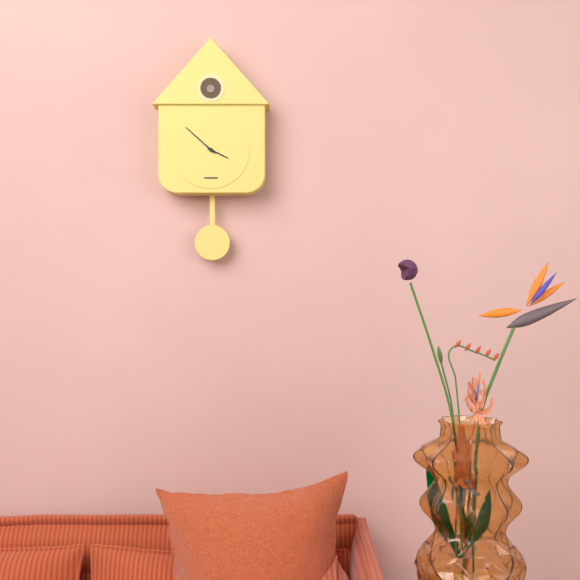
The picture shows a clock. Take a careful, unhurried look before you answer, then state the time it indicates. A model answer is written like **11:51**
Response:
**3:52**
